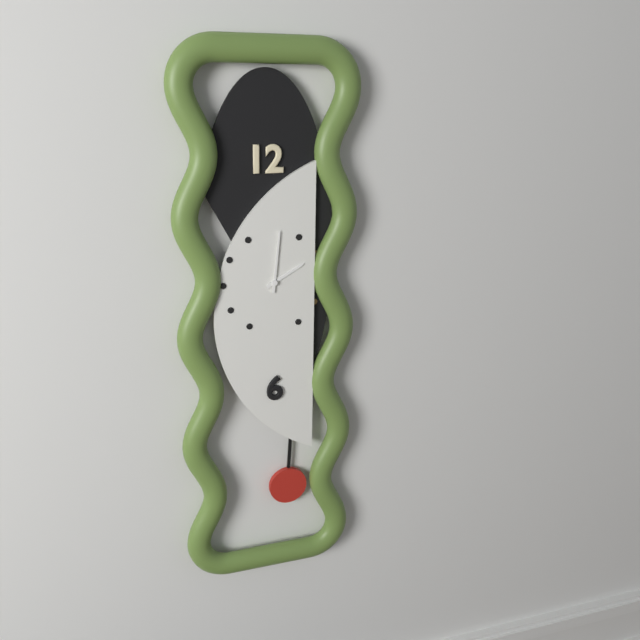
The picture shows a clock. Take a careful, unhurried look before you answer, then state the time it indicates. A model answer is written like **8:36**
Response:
**2:01**
